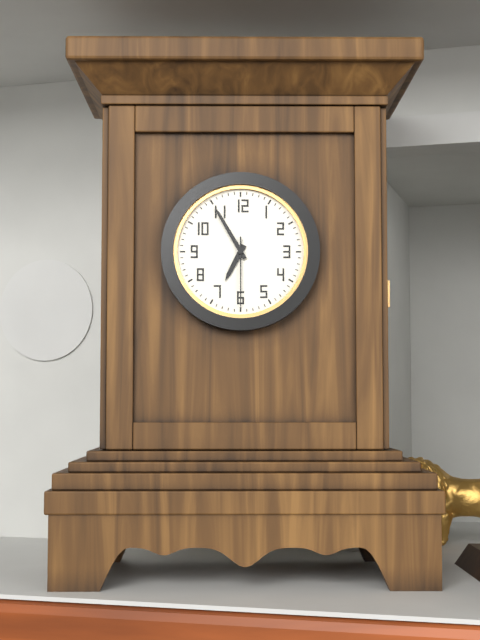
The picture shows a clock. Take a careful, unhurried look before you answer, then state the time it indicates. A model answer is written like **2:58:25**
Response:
**6:55:30**
